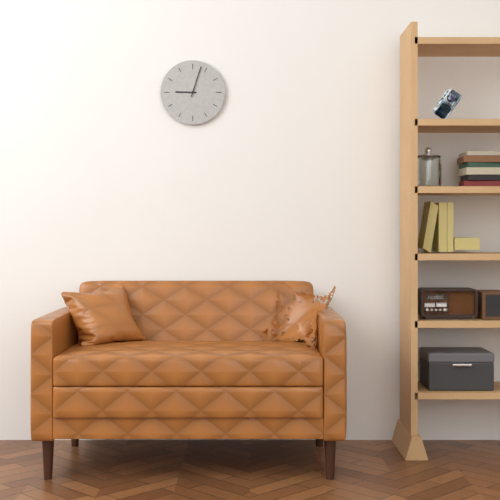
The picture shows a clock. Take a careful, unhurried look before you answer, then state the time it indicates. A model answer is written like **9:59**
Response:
**9:03**
